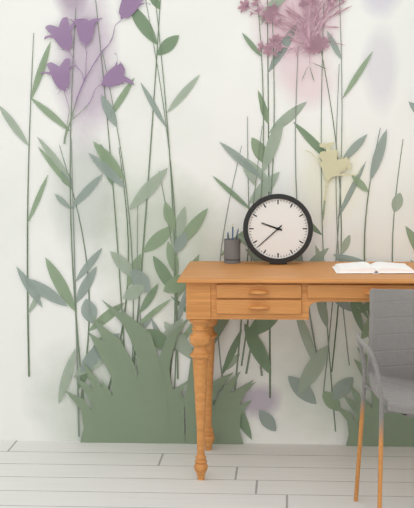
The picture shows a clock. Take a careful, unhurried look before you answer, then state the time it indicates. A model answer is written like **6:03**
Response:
**9:38**
